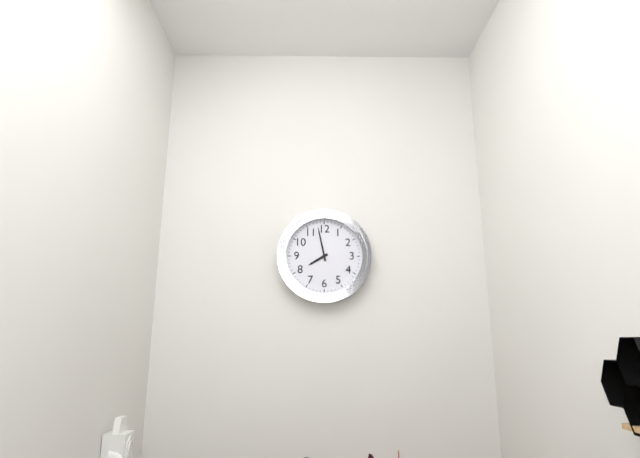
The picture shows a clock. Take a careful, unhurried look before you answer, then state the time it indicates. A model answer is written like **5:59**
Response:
**7:58**
